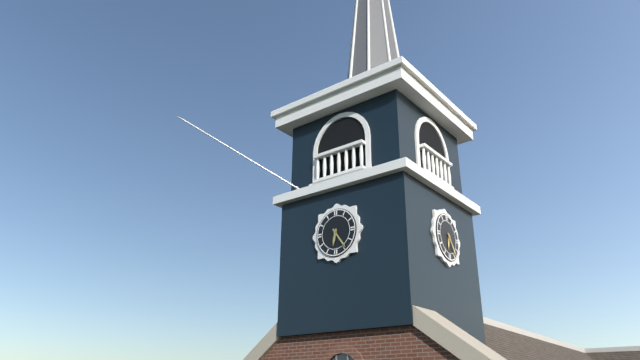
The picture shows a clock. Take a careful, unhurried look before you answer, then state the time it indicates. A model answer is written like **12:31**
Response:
**6:24**
